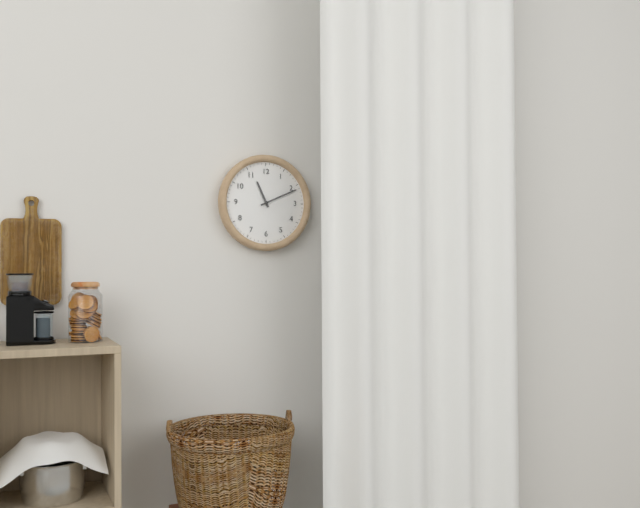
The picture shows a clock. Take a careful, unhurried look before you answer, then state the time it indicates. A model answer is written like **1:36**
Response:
**11:11**
